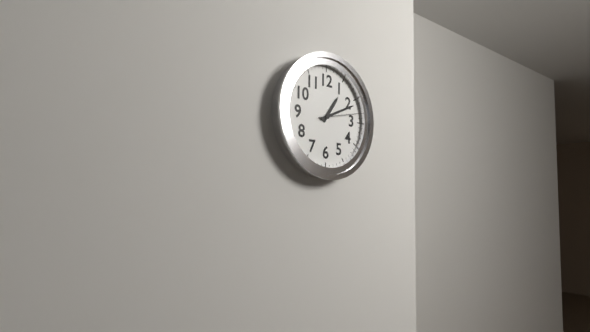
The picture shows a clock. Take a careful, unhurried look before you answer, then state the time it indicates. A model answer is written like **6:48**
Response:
**1:11**
